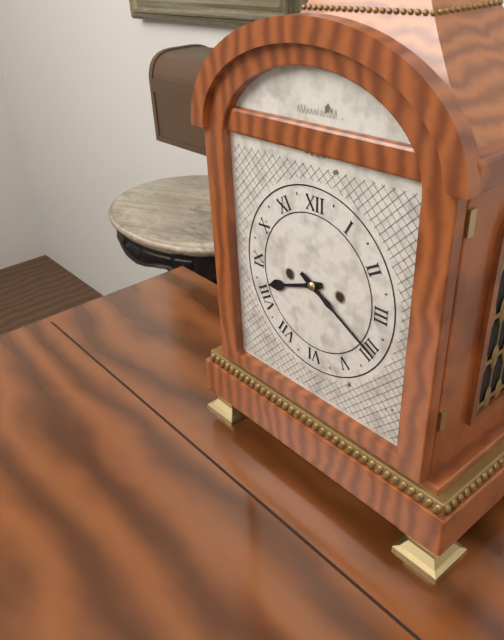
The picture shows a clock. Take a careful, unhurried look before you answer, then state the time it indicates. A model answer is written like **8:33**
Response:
**8:20**
